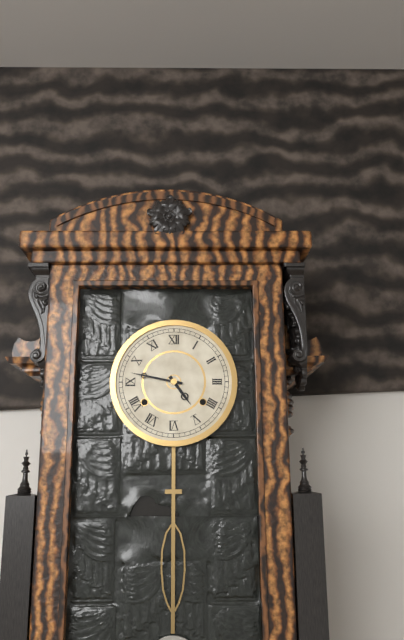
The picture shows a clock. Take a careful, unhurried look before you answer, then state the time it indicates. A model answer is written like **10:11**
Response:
**4:47**
